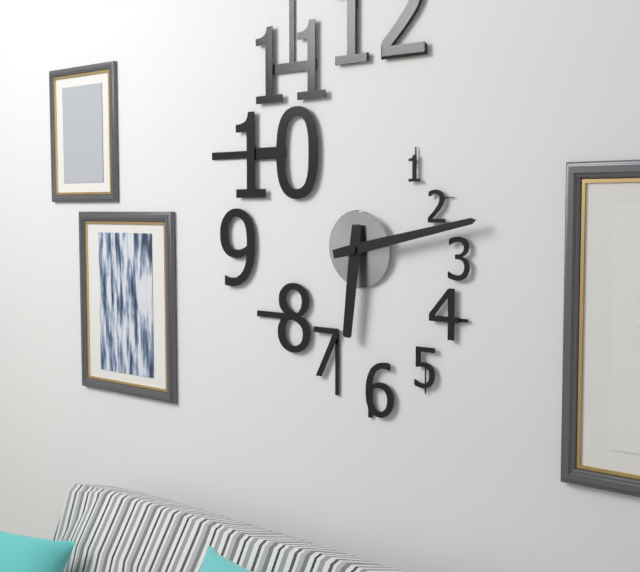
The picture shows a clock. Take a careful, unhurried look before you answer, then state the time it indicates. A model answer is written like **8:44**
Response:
**6:13**
